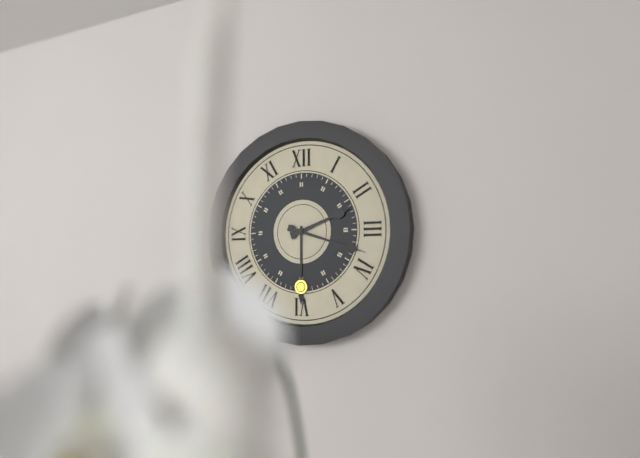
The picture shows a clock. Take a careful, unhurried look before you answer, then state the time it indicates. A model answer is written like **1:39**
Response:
**2:18**
